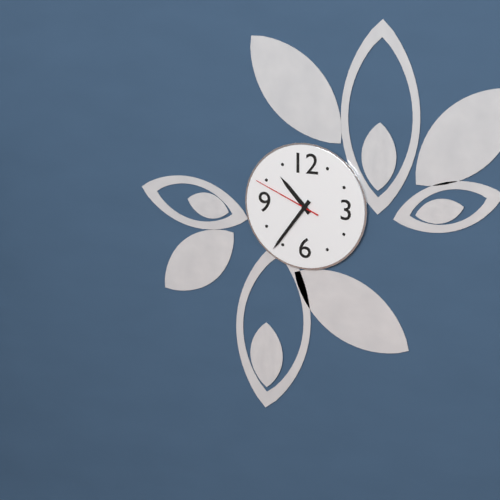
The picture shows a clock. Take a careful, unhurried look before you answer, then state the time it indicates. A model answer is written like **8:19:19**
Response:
**10:36:49**
